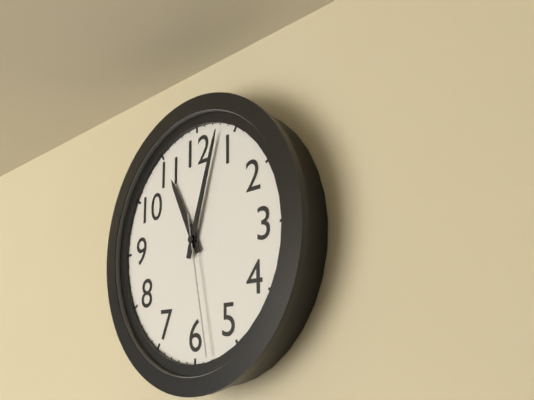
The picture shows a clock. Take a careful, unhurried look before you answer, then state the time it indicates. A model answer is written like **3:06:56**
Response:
**11:03:28**
